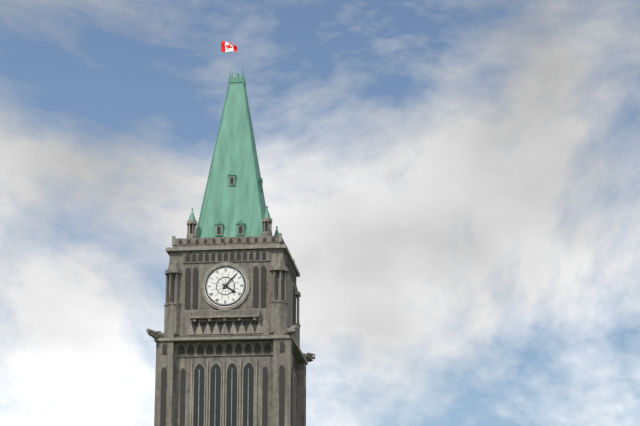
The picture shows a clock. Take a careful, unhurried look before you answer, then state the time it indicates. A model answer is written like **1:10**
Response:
**4:07**
